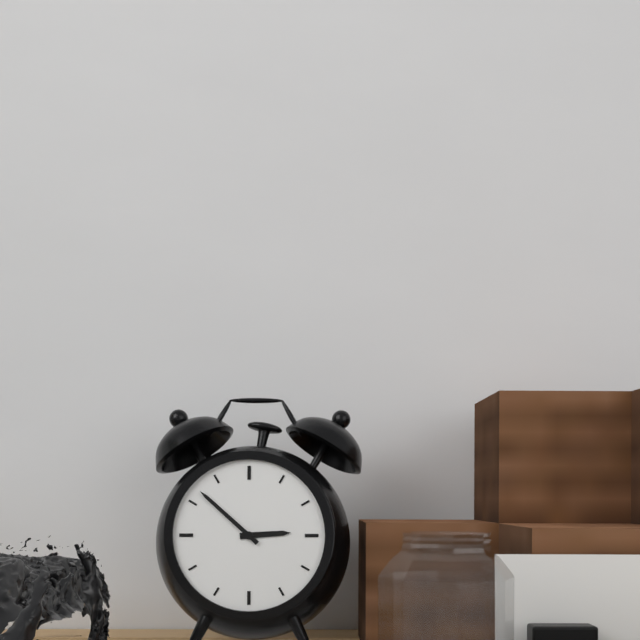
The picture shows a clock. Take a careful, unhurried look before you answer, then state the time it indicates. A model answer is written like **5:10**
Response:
**2:52**
